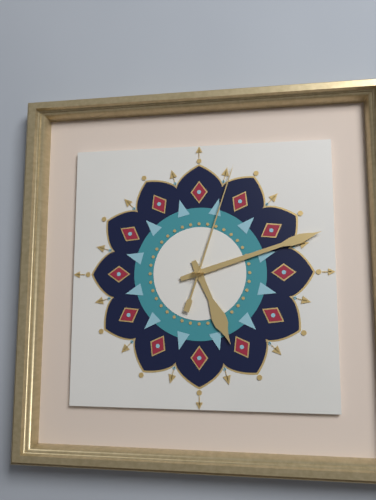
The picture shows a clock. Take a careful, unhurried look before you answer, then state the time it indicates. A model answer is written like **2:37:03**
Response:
**5:12:03**
